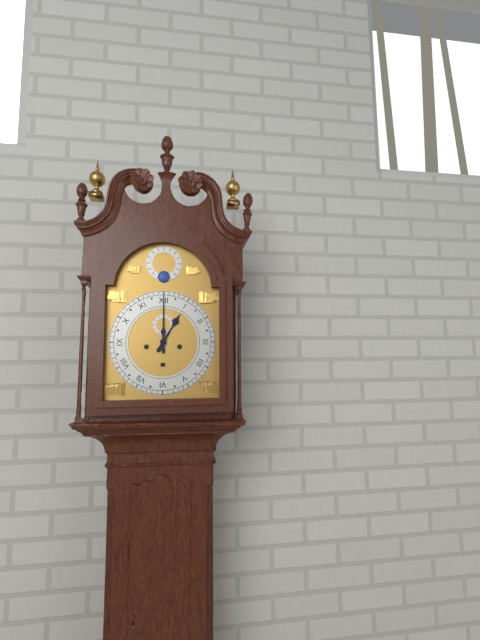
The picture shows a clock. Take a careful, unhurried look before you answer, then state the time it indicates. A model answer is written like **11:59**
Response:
**1:00**
